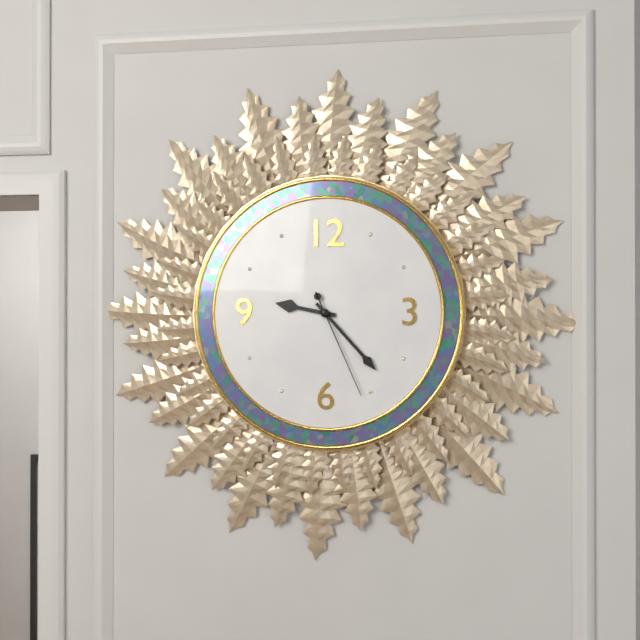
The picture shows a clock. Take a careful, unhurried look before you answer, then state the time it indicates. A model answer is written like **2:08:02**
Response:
**9:23:26**
